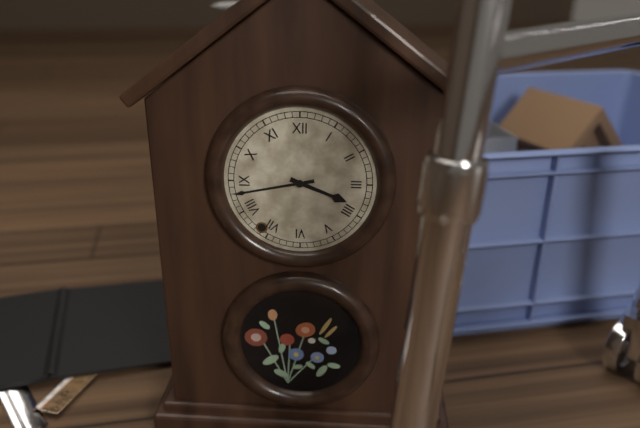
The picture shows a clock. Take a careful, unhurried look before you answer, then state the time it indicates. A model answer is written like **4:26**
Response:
**3:43**
